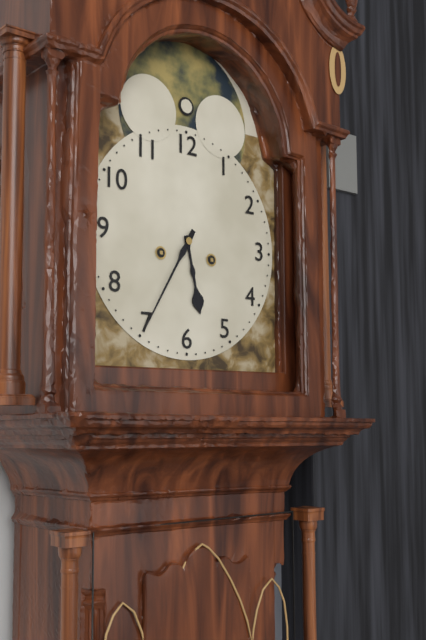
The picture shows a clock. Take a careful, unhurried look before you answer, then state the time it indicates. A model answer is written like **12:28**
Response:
**5:35**
